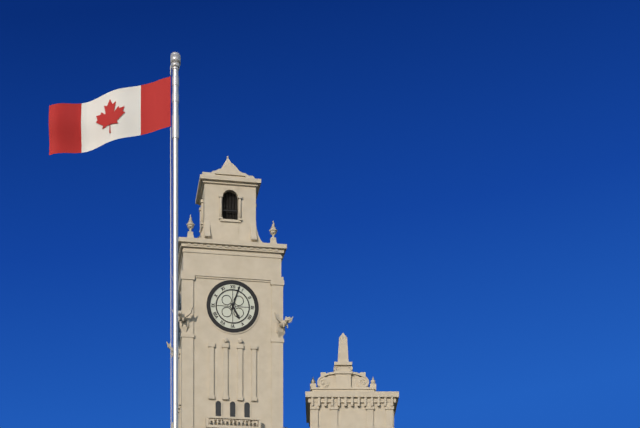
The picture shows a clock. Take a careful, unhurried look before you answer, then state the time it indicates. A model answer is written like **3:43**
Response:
**5:03**
